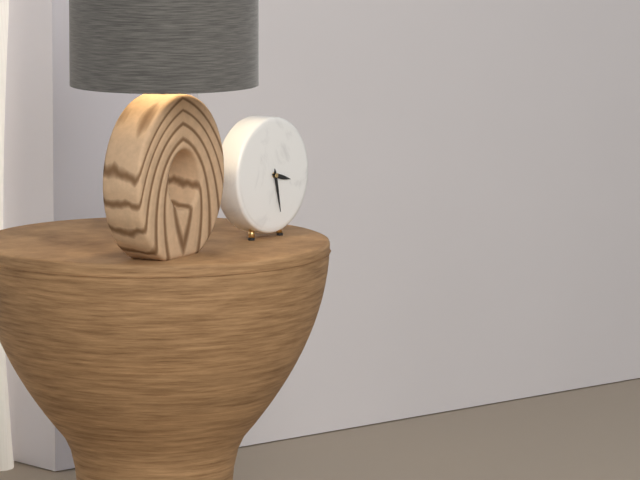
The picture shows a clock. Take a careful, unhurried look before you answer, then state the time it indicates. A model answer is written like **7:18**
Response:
**3:28**
